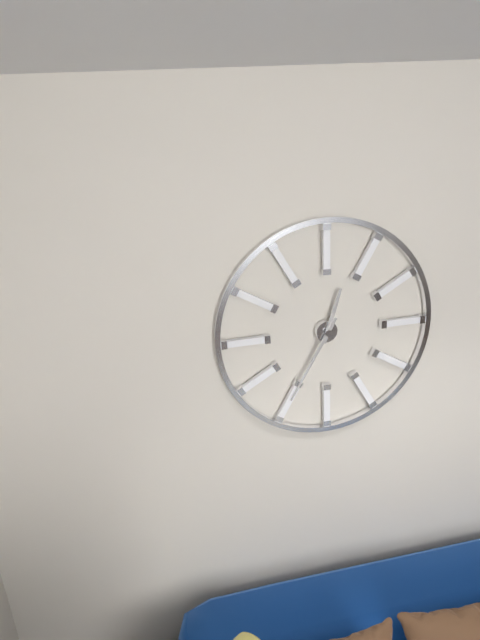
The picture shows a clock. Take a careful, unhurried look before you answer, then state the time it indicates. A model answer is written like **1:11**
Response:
**12:35**
